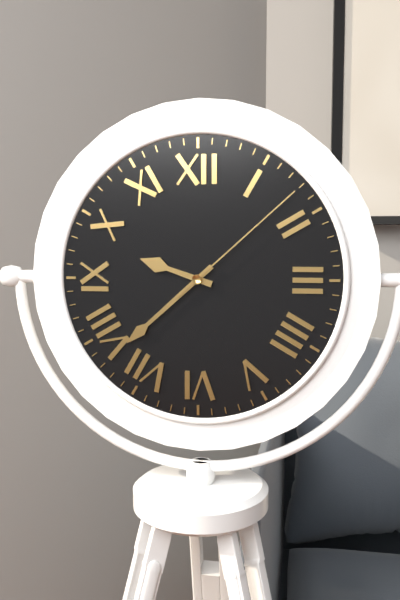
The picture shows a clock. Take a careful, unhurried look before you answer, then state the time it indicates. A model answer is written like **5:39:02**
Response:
**9:38:08**
